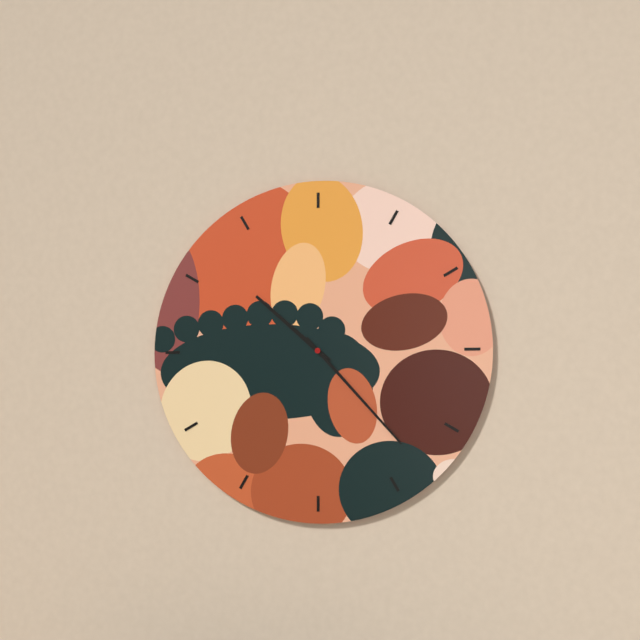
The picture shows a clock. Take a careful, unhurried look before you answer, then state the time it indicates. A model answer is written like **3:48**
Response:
**10:23**
